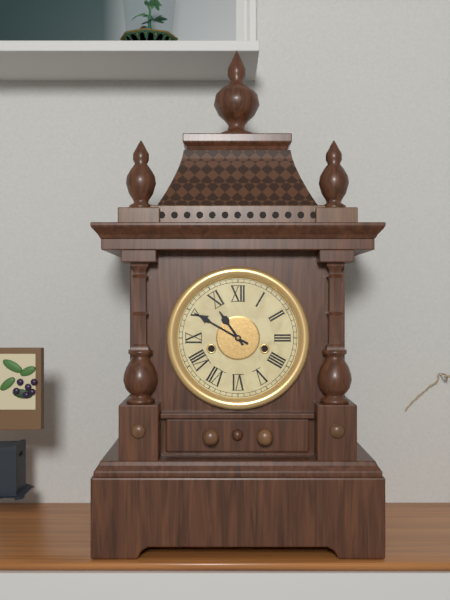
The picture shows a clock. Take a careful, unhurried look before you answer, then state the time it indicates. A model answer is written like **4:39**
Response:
**10:50**
